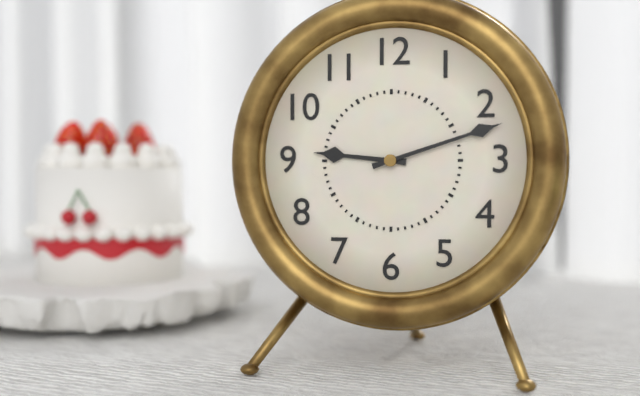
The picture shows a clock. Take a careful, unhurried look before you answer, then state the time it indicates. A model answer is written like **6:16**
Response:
**9:12**
